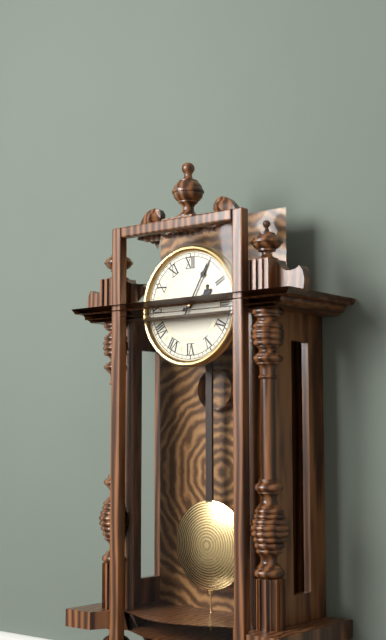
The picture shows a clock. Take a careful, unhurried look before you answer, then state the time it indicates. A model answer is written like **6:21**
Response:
**2:05**
